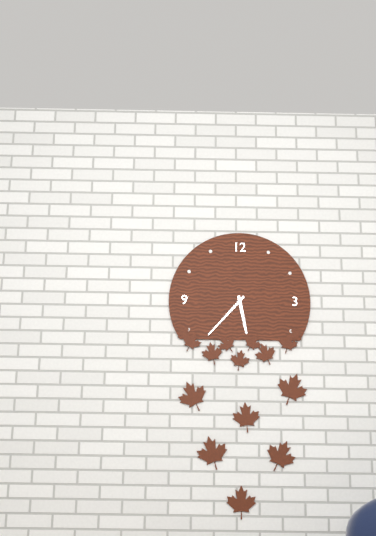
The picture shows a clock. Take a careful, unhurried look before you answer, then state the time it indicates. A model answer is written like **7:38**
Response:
**5:37**
